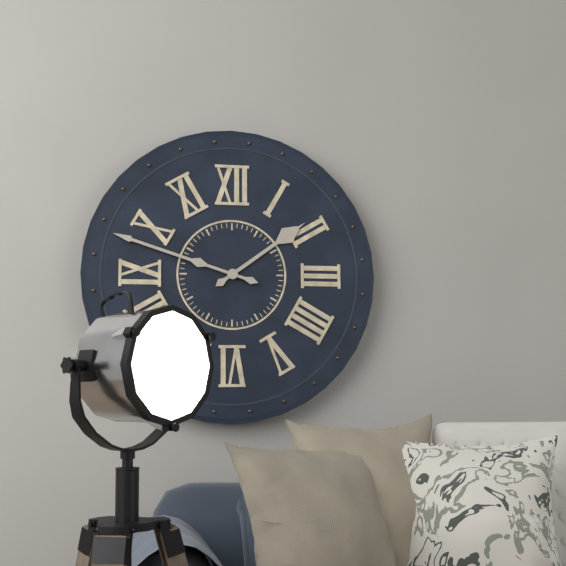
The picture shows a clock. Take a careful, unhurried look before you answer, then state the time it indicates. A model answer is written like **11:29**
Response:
**1:48**
